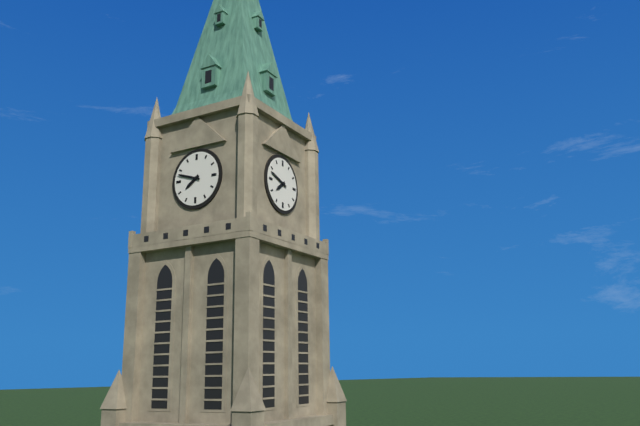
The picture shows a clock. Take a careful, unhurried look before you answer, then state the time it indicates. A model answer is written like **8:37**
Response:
**7:48**
